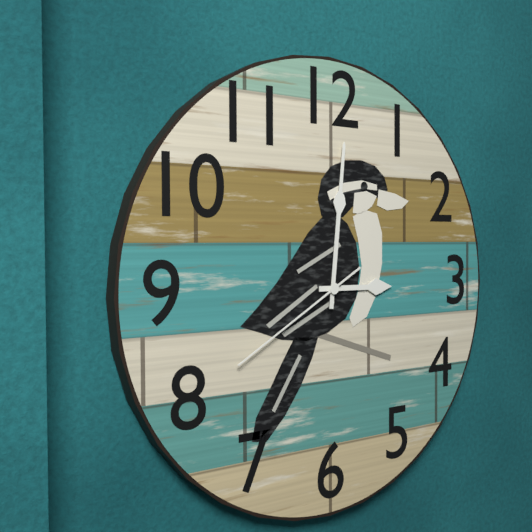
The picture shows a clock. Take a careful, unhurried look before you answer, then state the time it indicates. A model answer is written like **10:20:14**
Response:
**3:01:40**
